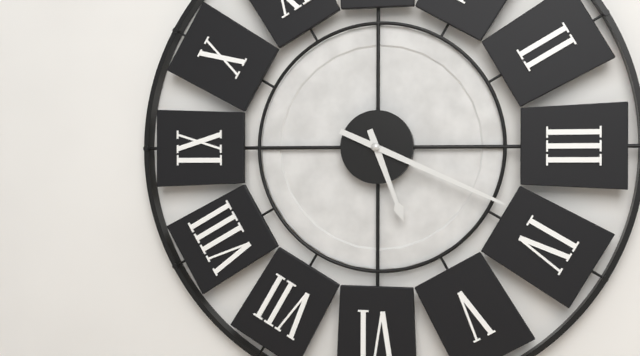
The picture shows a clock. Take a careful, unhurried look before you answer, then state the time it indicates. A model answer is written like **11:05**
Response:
**5:19**
